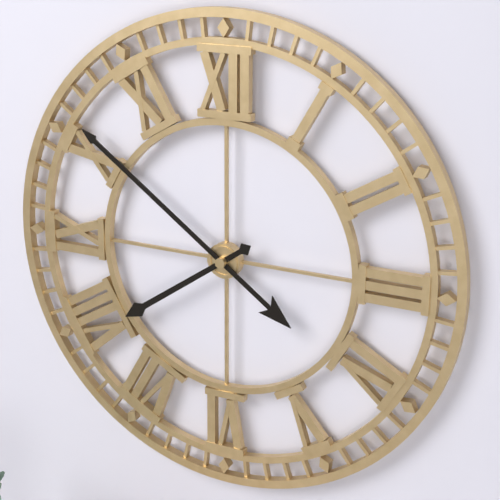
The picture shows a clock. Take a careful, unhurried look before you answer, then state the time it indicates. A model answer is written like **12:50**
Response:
**7:51**
